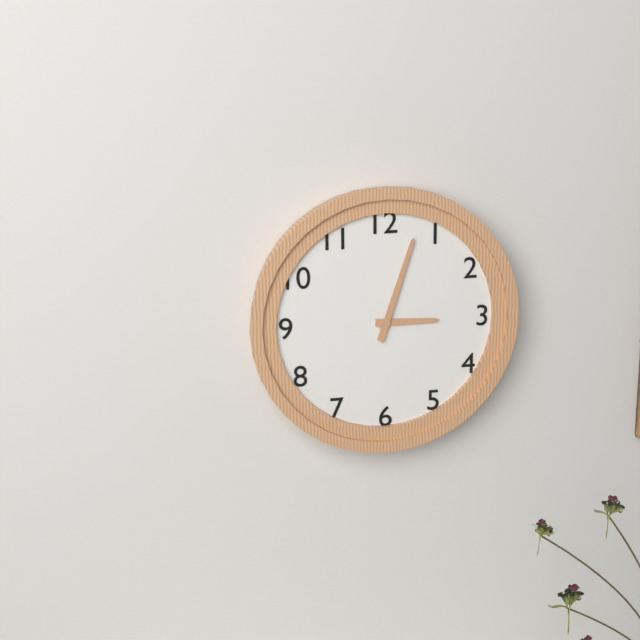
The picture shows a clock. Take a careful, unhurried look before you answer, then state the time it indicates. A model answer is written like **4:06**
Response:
**3:03**
